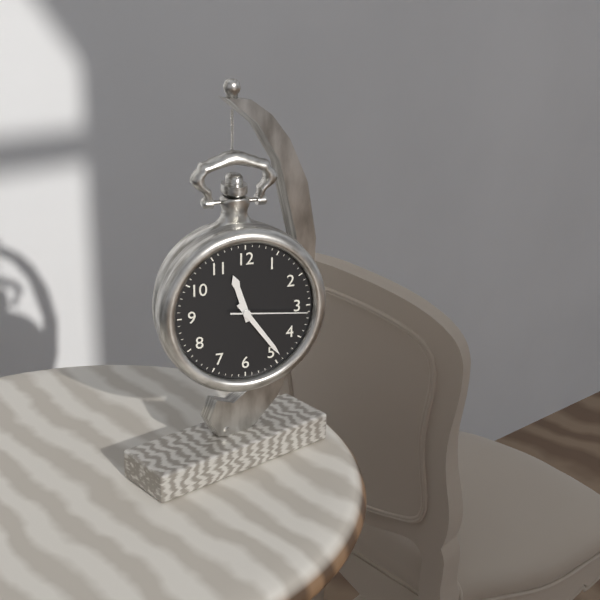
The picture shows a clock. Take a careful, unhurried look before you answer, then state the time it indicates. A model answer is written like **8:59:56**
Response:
**11:24:16**
